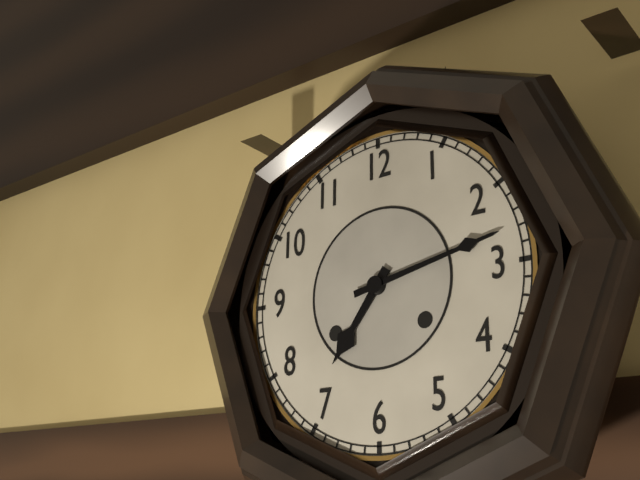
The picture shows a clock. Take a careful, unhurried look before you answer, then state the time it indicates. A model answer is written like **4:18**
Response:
**7:13**
